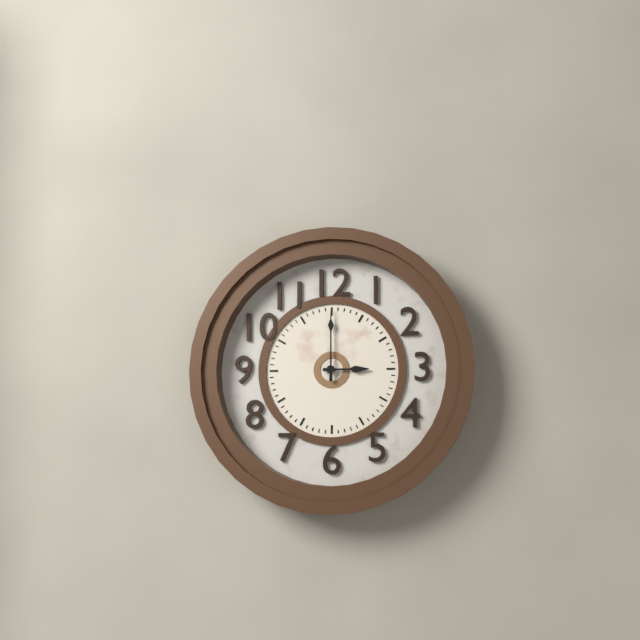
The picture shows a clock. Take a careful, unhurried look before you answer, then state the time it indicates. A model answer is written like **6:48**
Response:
**3:00**
